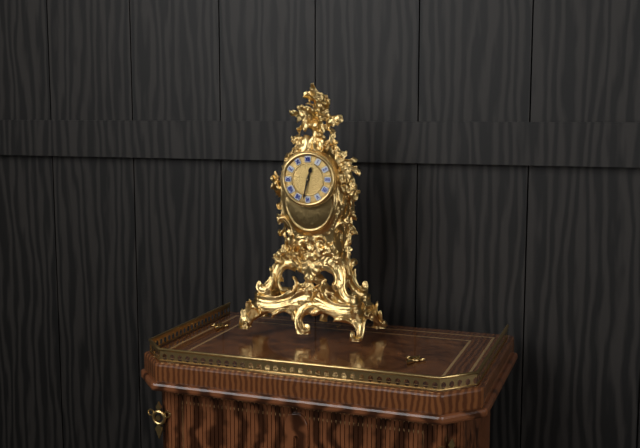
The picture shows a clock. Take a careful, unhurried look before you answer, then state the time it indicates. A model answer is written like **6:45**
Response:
**12:32**
